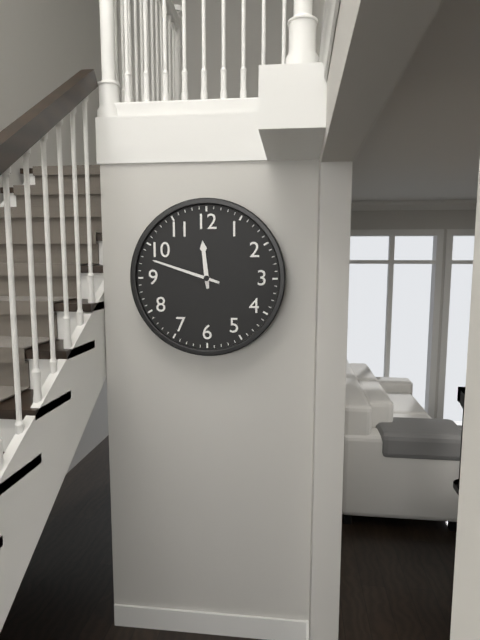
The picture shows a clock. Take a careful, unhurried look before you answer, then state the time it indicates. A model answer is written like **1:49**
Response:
**11:48**
